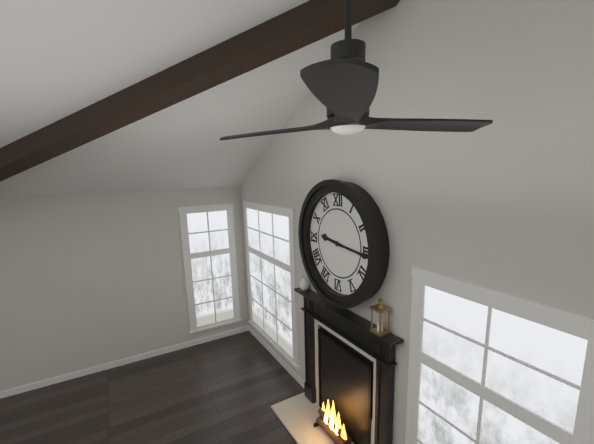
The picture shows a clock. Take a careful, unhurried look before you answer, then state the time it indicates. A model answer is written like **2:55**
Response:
**9:16**
